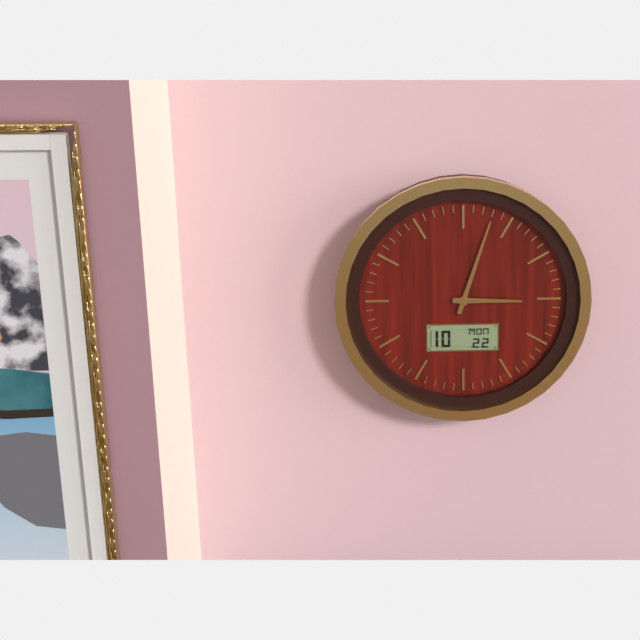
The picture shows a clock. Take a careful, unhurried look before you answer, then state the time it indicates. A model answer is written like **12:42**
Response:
**3:03**
